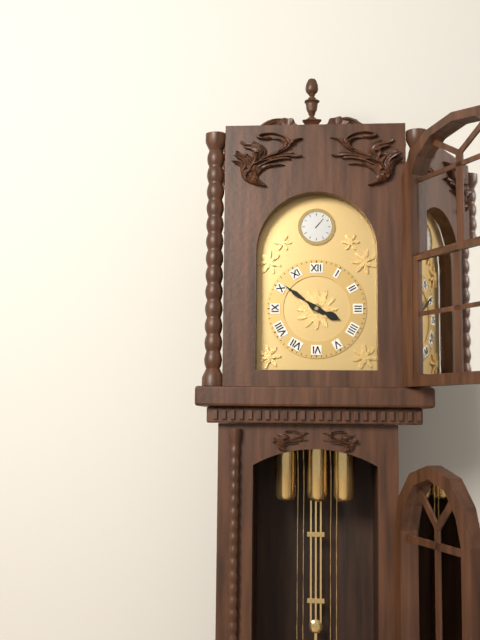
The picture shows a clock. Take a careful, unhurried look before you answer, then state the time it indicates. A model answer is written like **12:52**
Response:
**3:51**
